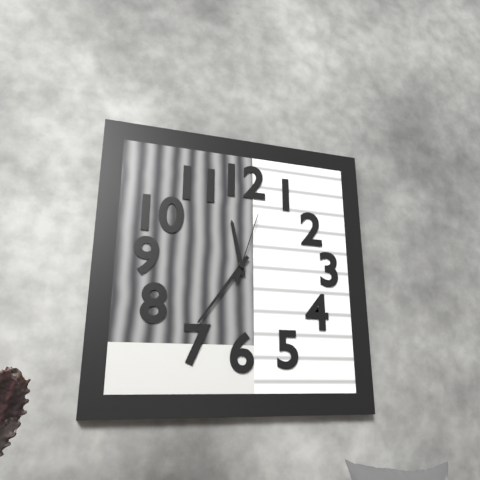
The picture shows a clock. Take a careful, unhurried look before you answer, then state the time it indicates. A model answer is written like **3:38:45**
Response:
**11:36:03**
